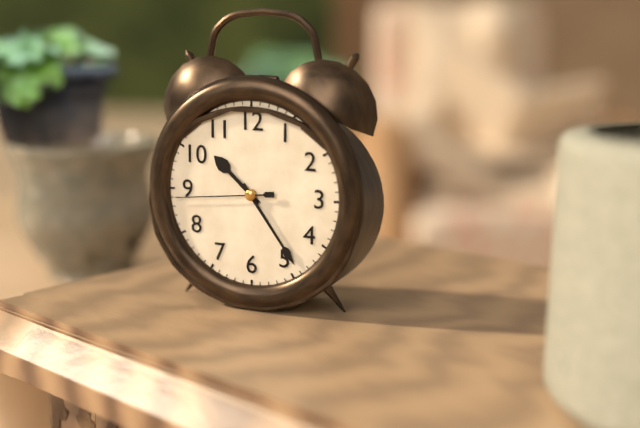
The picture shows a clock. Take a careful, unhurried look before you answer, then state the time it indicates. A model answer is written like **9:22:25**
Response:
**10:24:44**
